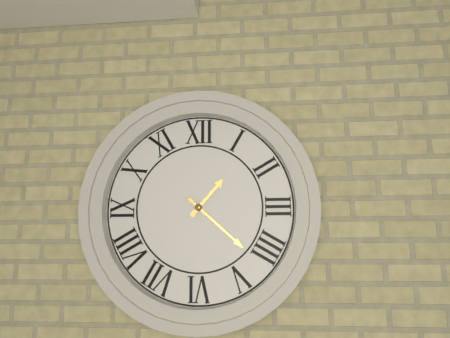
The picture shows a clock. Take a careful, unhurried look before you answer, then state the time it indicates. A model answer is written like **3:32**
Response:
**1:22**
